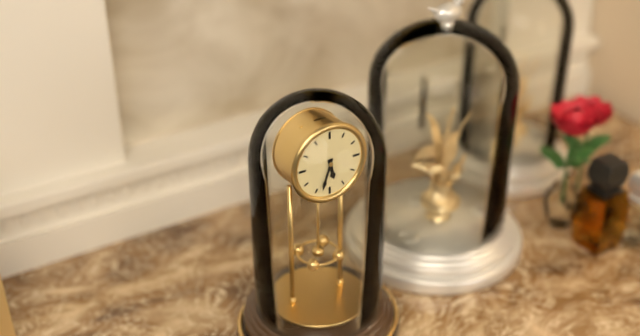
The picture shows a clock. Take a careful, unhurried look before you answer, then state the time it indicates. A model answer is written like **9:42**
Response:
**5:33**
